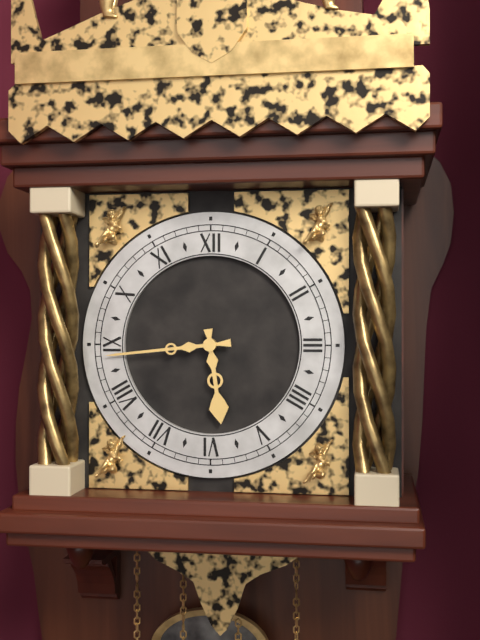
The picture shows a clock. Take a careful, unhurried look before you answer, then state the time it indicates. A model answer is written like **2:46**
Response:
**5:44**
